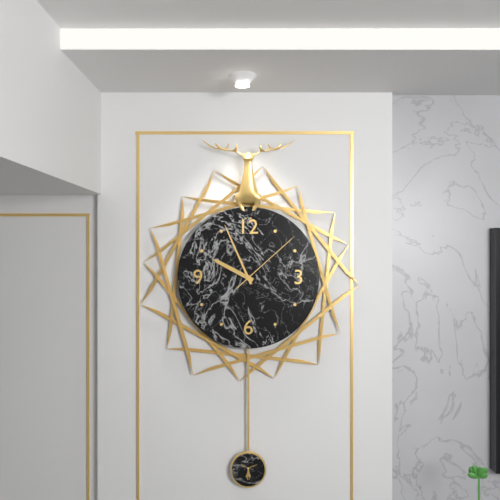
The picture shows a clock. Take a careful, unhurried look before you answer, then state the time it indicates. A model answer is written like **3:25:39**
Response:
**9:56:08**
